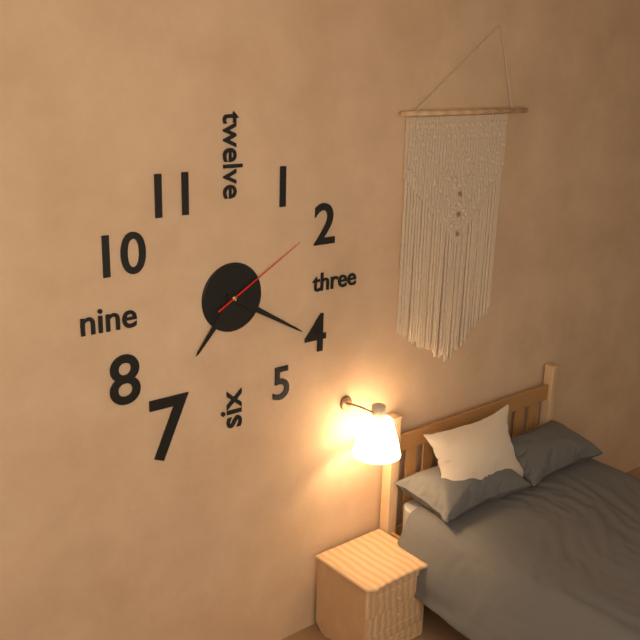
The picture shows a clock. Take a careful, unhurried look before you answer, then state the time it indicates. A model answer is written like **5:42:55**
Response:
**7:20:10**
